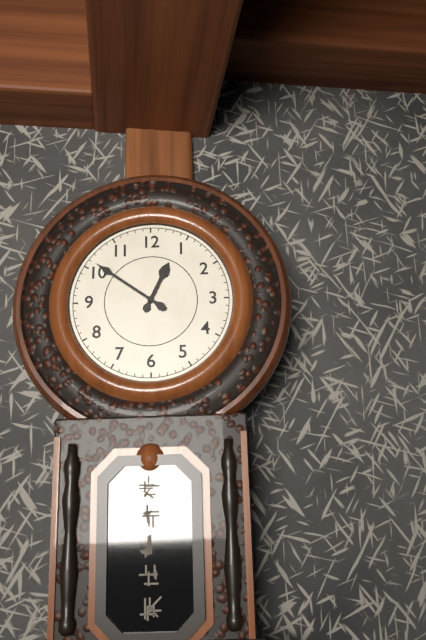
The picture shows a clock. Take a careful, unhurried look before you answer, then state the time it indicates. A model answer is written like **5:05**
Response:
**12:51**
